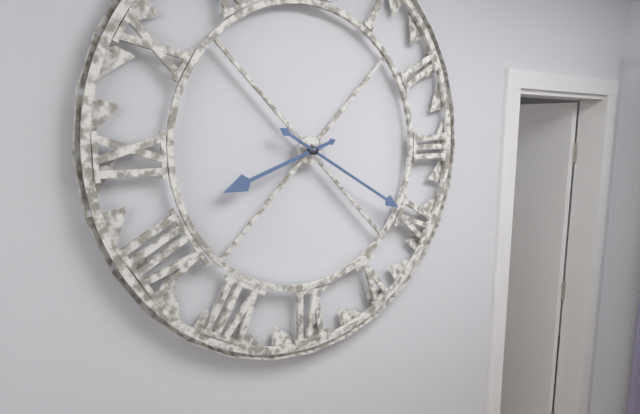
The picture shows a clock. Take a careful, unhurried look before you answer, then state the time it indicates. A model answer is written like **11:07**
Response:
**8:20**
